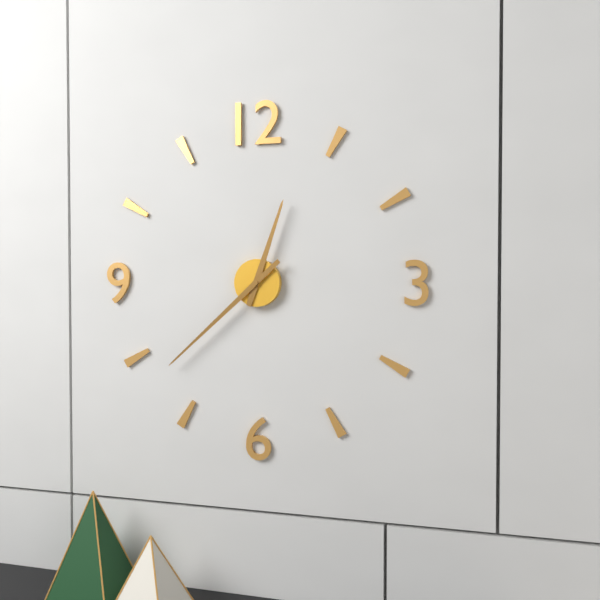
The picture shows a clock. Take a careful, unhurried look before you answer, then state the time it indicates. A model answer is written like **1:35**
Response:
**12:38**
